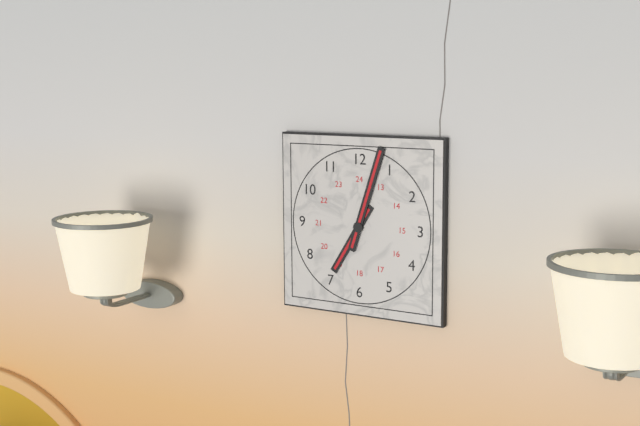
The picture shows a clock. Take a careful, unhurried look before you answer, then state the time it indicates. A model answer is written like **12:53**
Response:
**7:03**
